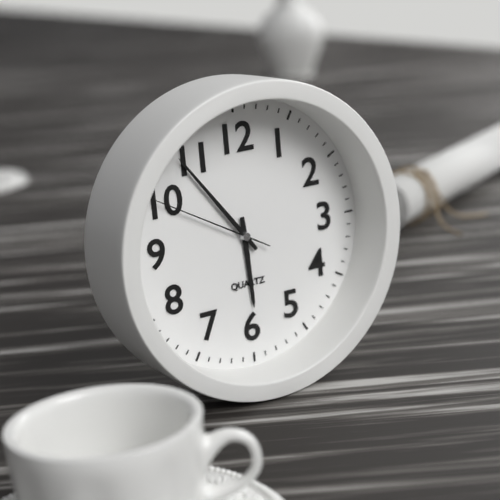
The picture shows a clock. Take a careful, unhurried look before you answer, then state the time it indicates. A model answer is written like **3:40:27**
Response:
**5:54:50**
